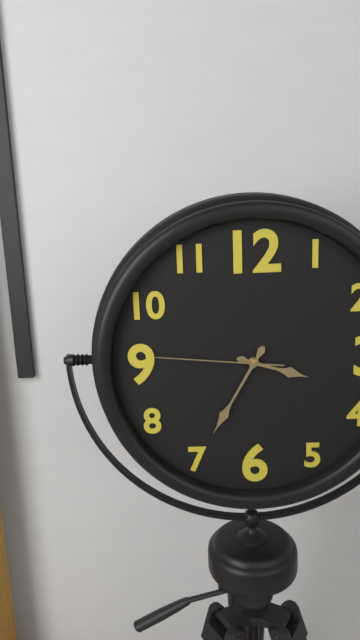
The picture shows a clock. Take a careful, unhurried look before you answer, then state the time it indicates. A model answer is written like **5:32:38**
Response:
**3:35:46**
